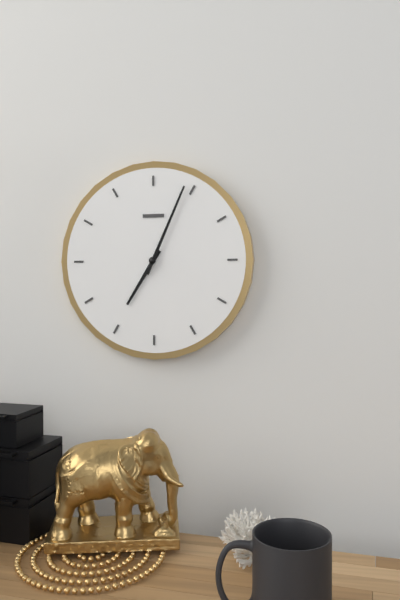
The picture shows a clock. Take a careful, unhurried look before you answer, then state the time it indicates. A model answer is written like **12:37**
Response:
**7:04**
